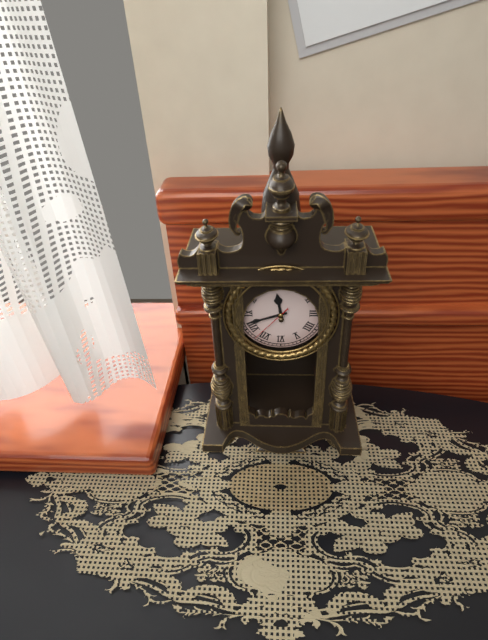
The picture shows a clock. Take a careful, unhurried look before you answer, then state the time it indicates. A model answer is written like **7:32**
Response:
**11:42**
